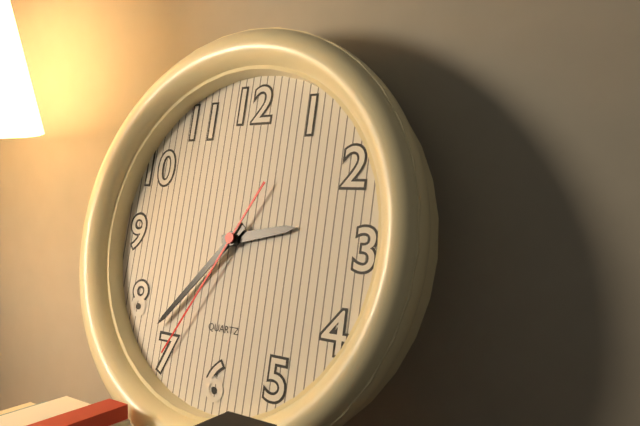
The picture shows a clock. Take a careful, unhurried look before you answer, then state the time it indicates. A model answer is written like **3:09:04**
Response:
**2:37:35**
